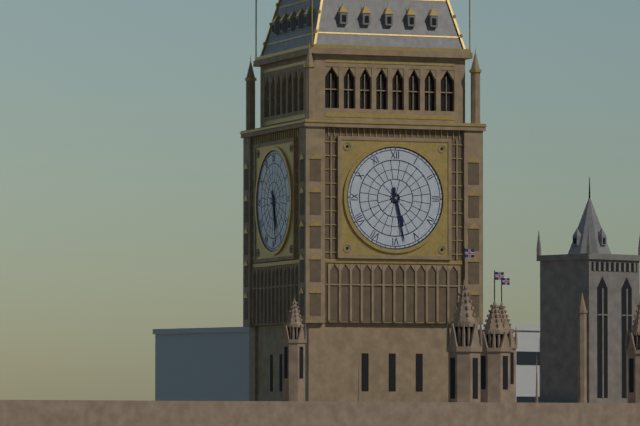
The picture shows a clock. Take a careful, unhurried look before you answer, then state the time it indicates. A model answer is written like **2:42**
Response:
**5:28**
